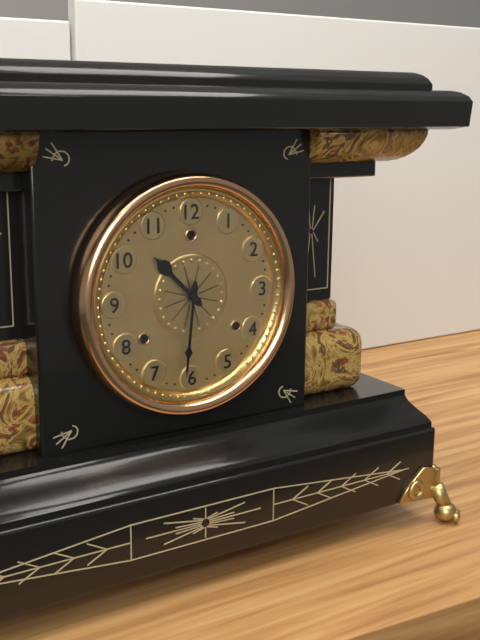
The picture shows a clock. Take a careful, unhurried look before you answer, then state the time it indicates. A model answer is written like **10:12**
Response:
**10:31**
